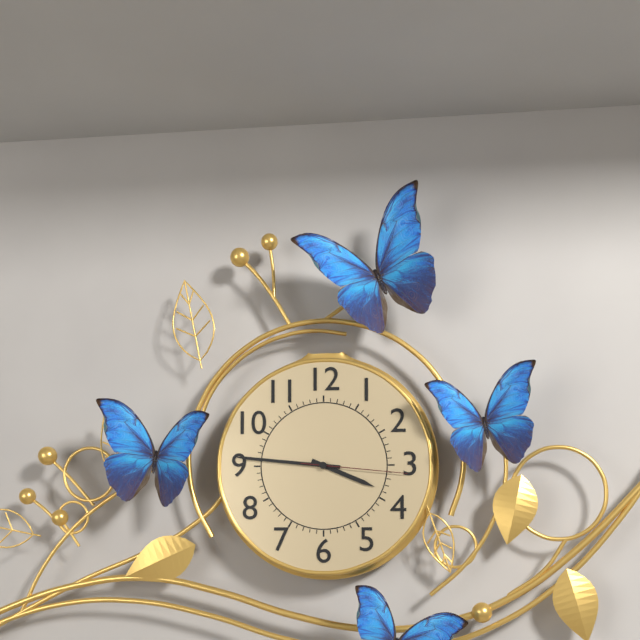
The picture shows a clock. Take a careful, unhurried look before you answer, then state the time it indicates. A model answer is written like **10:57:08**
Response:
**3:46:16**
